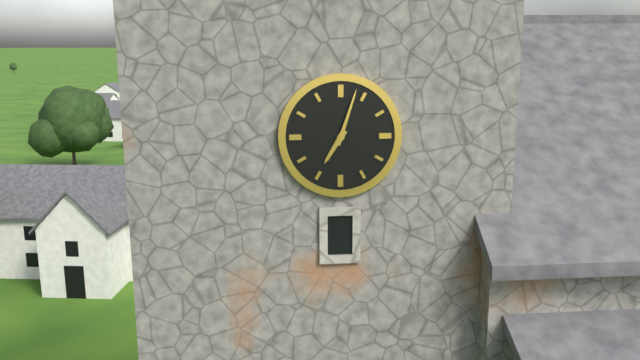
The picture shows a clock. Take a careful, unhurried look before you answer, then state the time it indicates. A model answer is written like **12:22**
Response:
**7:03**
